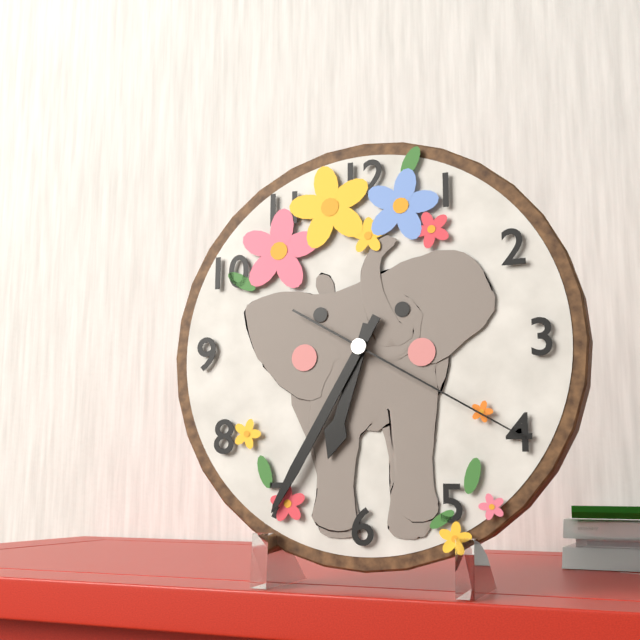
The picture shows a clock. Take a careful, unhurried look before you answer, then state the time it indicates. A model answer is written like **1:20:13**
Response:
**6:35:20**
